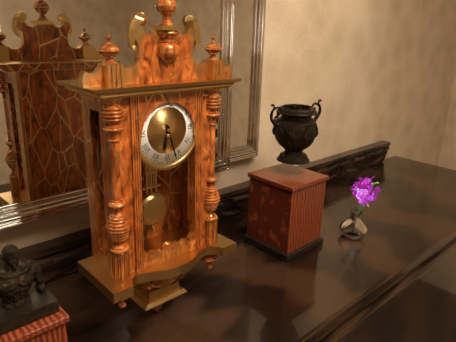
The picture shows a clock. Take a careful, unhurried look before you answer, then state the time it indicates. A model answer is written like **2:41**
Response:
**6:27**
